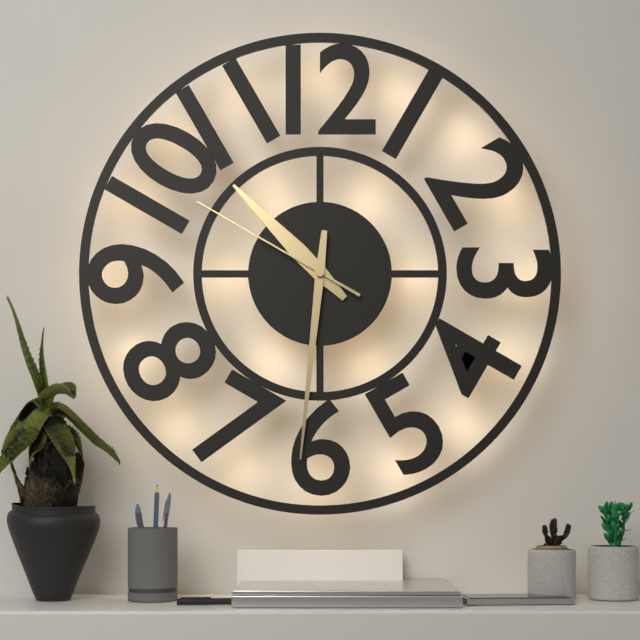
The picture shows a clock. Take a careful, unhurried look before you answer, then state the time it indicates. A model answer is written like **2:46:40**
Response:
**10:31:50**
